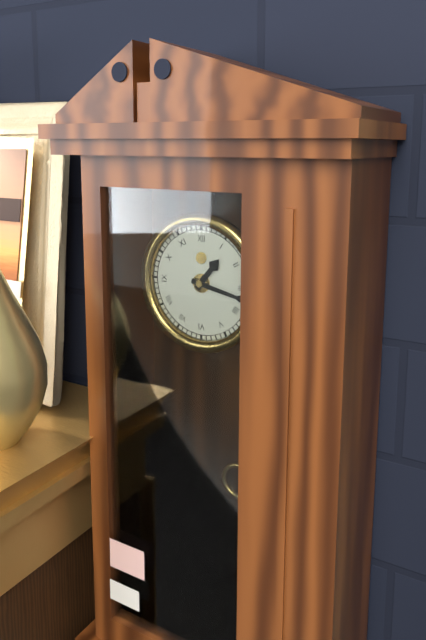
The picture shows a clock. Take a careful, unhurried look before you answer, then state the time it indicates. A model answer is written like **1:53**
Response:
**1:17**
